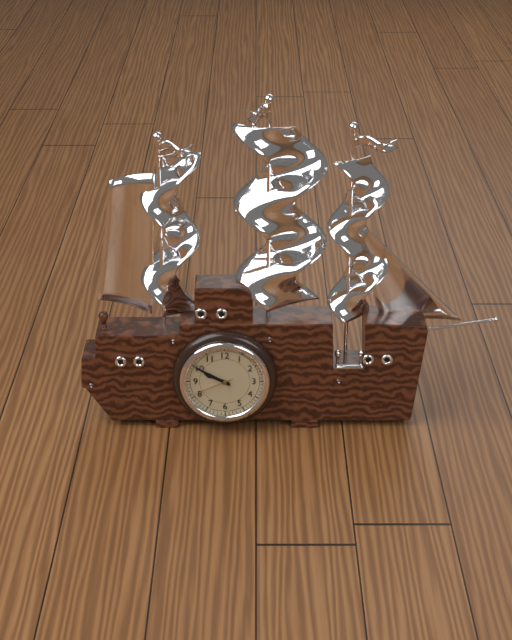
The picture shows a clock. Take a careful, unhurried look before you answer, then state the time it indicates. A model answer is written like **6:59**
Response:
**9:50**
